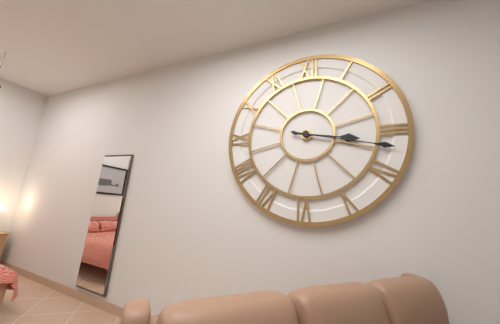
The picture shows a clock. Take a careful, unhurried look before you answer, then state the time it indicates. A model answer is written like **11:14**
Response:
**3:17**
